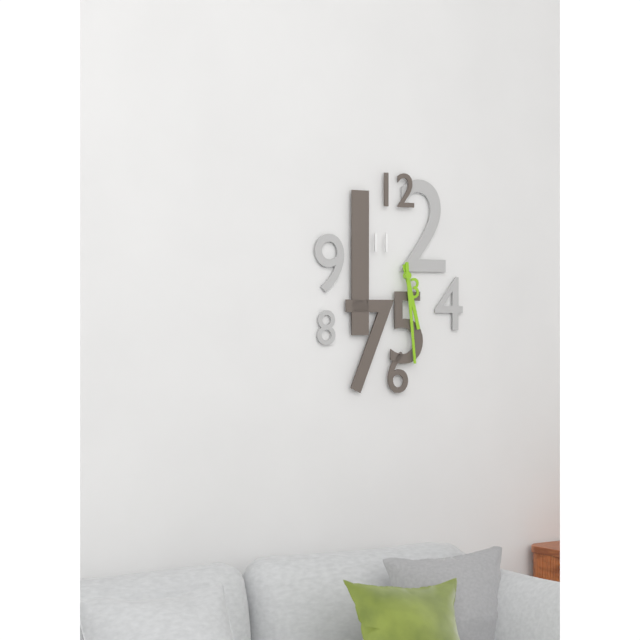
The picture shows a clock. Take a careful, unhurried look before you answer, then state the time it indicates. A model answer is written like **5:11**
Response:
**5:29**
